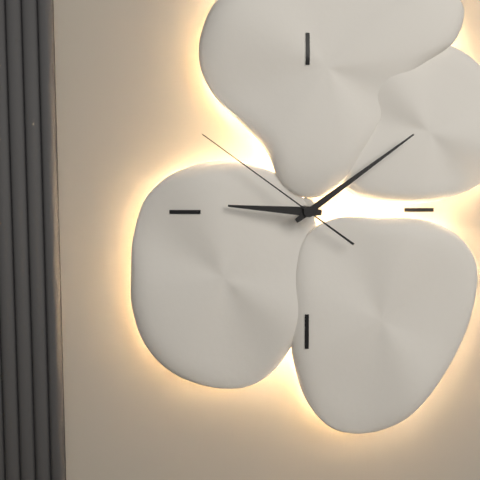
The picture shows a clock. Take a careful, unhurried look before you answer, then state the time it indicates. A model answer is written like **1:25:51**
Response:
**9:09:51**
